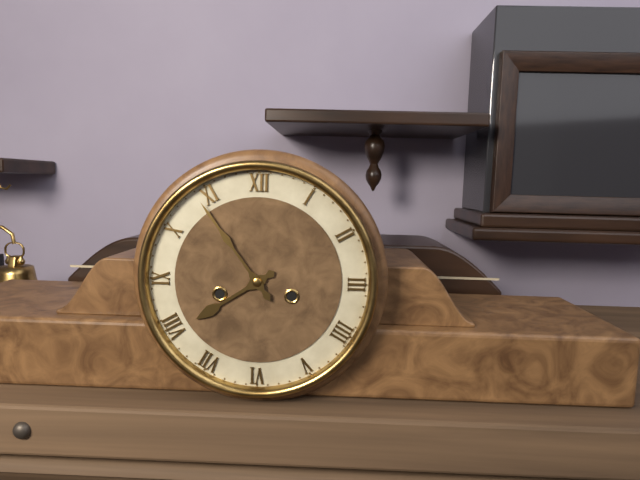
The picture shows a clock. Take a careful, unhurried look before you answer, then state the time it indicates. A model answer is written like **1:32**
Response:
**7:54**
